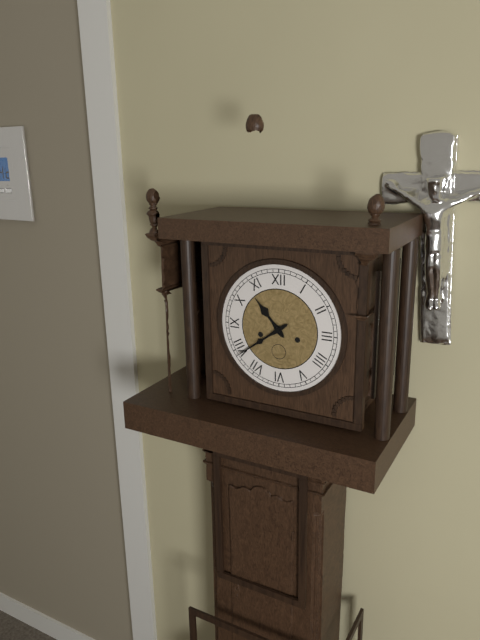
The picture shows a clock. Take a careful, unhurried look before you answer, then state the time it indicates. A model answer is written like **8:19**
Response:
**10:39**
